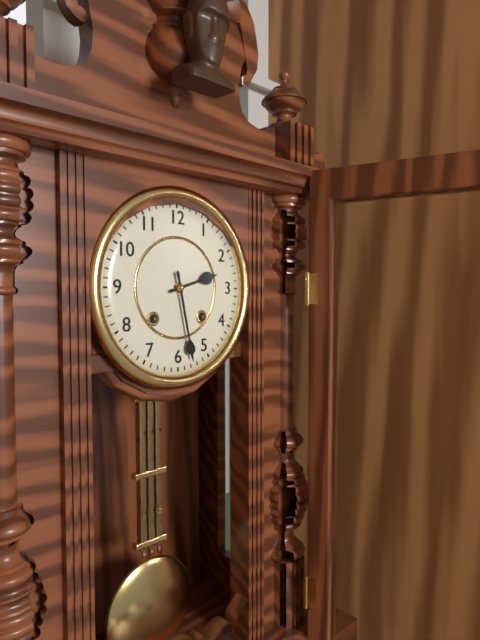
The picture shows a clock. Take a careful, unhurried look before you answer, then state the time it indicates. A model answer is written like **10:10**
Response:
**2:28**
